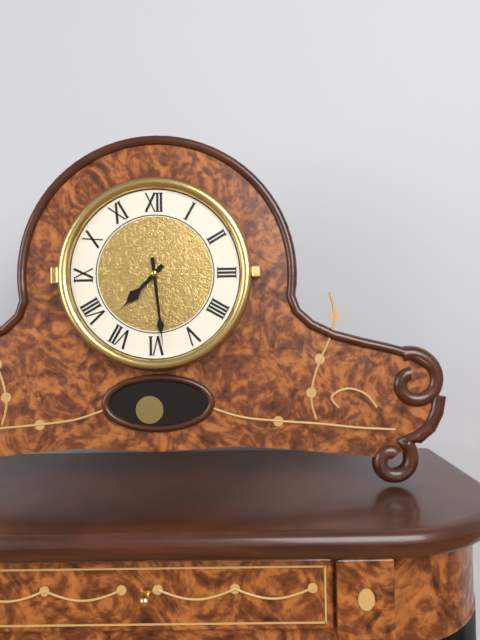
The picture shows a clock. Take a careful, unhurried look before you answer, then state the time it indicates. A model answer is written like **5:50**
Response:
**7:29**
